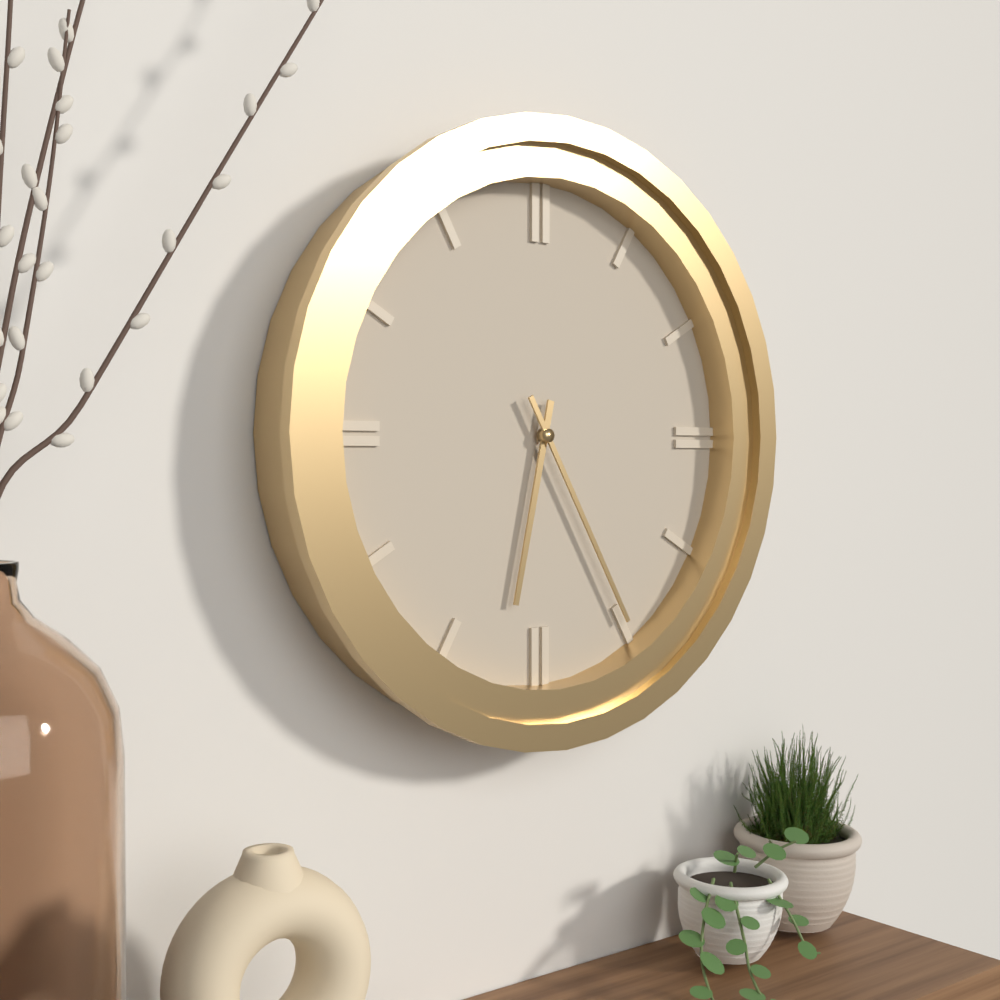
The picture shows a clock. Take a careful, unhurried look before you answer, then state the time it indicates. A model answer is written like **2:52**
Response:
**6:25**
